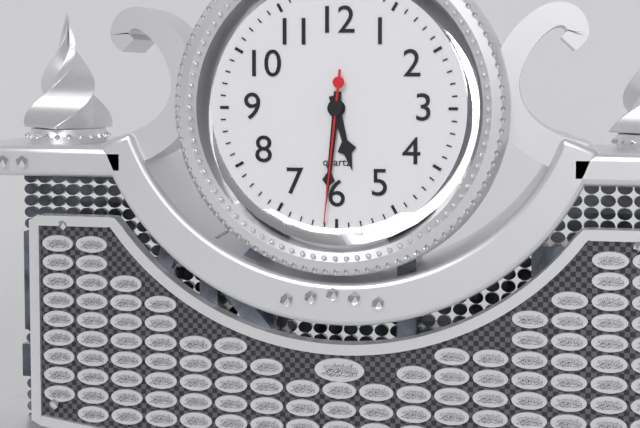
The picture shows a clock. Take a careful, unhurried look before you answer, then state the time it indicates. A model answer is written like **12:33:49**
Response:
**5:31:31**
